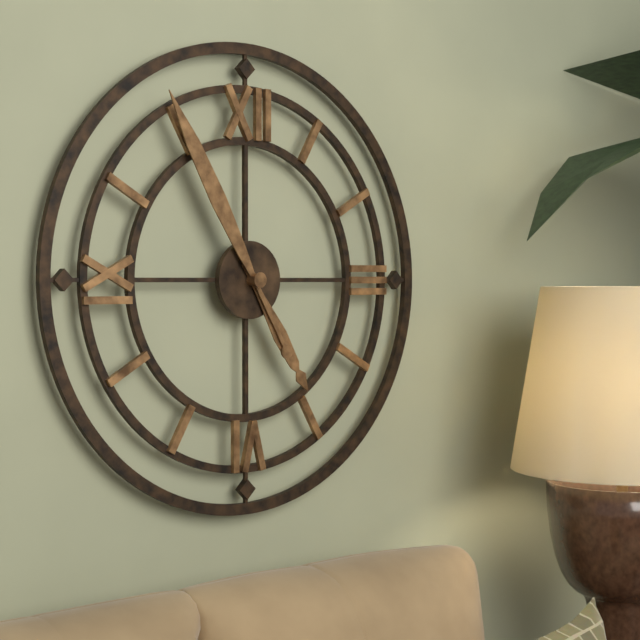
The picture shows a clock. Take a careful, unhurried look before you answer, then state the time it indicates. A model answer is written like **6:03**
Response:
**4:55**
